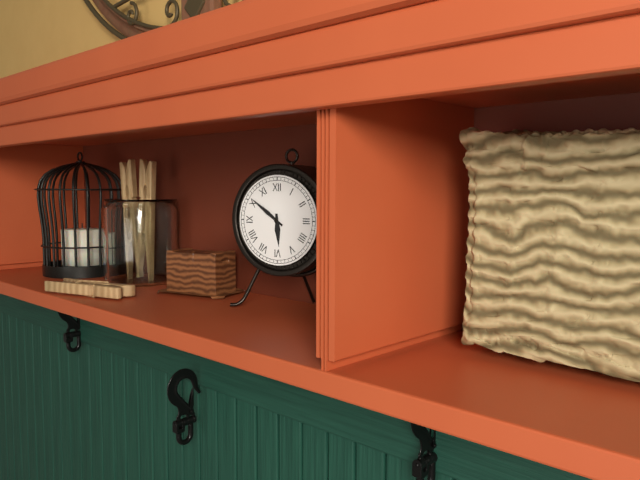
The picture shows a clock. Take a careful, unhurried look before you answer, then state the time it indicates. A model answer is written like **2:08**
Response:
**5:51**
